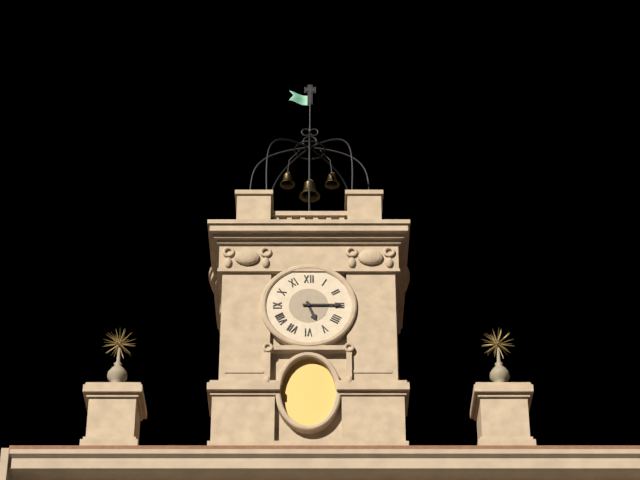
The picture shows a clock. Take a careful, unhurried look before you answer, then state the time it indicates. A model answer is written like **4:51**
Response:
**5:15**
